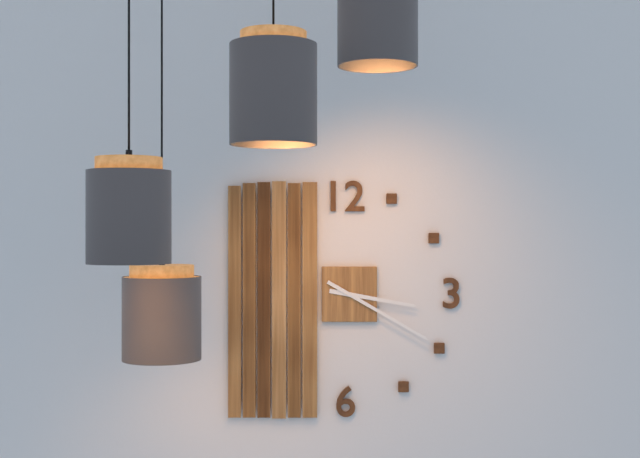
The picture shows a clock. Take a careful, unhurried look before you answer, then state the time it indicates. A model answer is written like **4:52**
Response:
**3:20**
